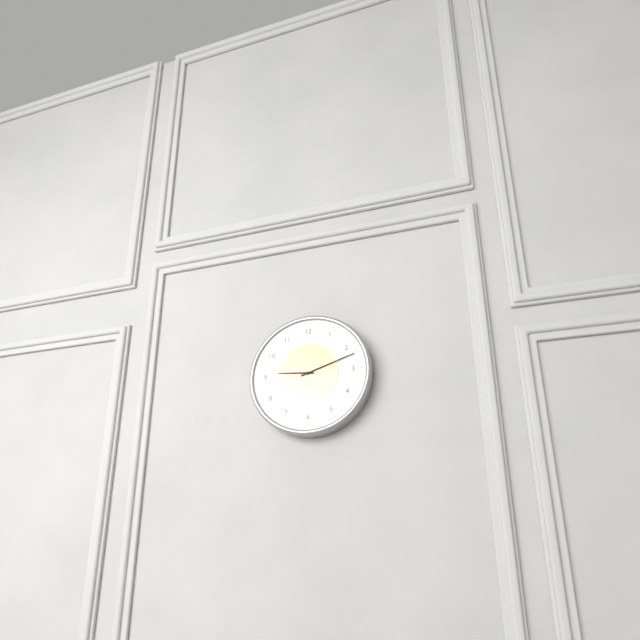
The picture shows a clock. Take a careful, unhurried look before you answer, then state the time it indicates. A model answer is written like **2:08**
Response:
**9:12**
